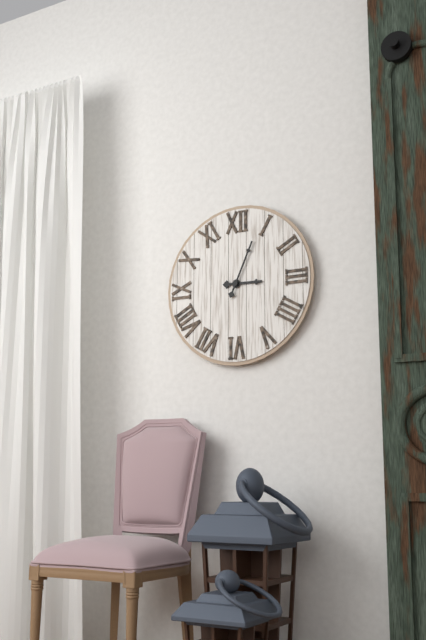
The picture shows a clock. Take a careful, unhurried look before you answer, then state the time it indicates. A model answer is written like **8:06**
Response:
**3:04**
